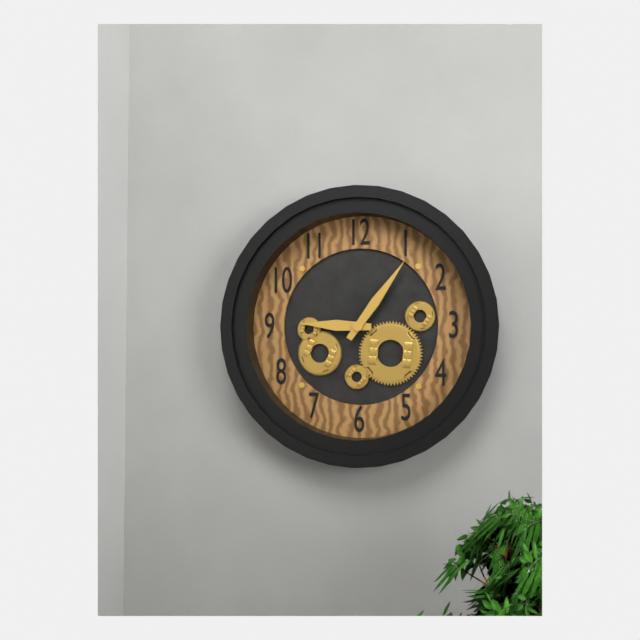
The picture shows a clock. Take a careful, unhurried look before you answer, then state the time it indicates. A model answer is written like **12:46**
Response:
**9:06**
